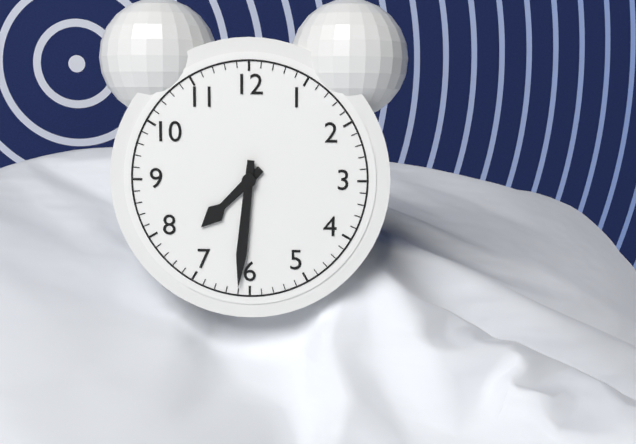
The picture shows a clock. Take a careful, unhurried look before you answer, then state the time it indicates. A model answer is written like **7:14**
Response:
**7:31**
